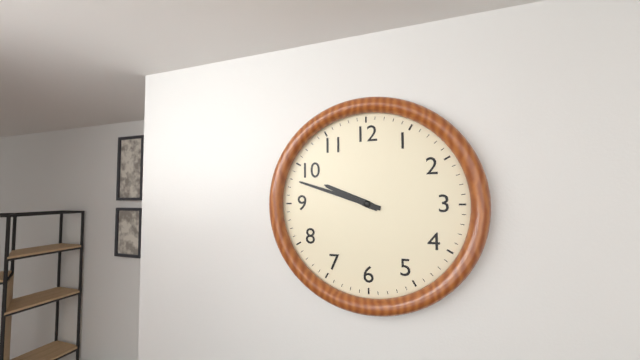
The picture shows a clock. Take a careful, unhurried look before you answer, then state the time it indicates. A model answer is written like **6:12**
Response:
**9:48**
